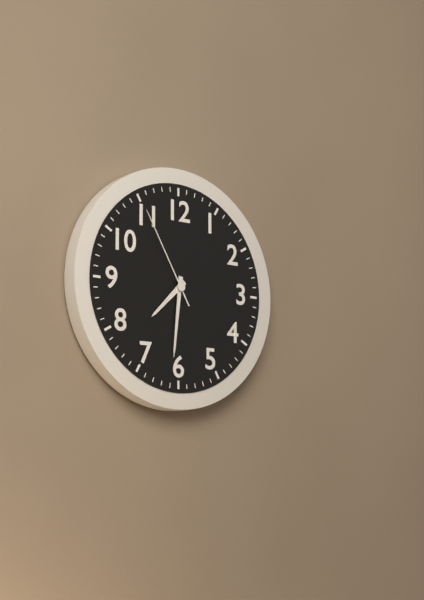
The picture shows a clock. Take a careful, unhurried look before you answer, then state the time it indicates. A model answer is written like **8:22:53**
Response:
**7:31:55**
